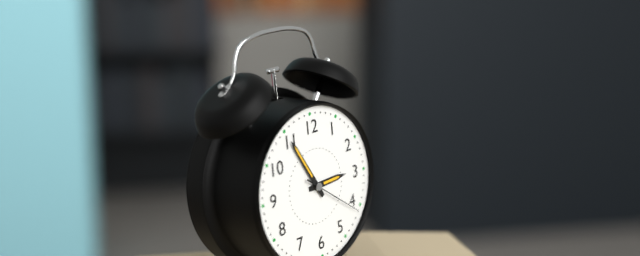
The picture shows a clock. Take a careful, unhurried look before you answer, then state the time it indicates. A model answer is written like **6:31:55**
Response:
**2:55:21**
